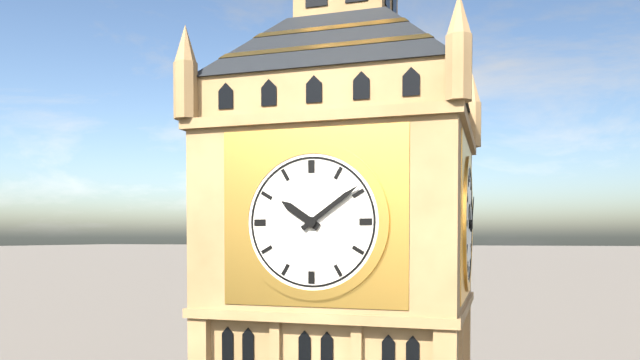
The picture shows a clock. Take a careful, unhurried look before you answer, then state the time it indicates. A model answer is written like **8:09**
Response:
**10:09**
